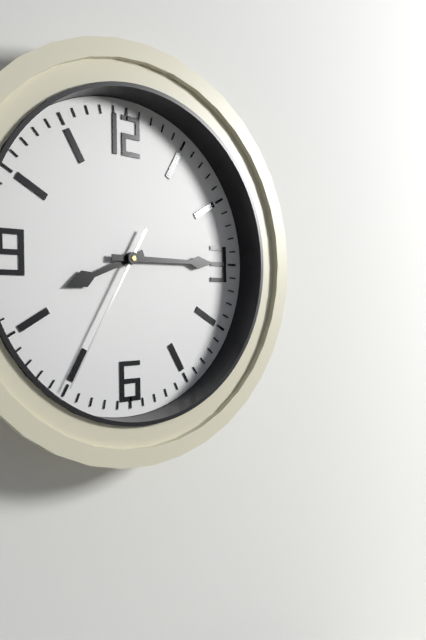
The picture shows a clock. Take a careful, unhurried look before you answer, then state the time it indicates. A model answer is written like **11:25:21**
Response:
**8:15:35**
